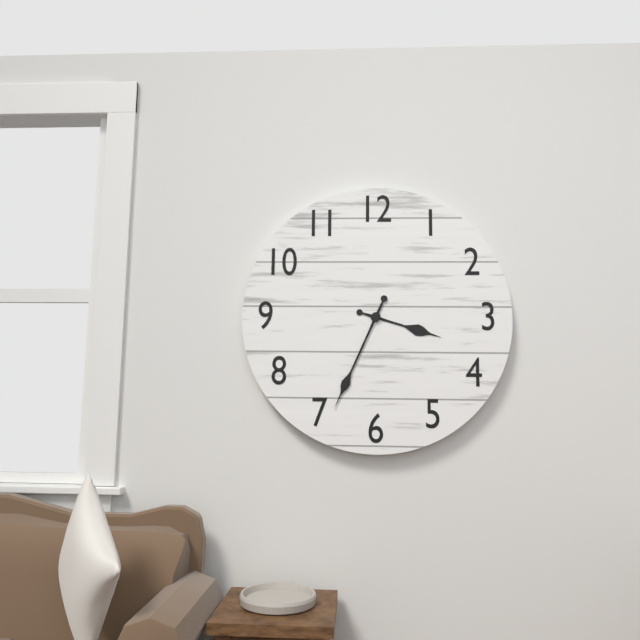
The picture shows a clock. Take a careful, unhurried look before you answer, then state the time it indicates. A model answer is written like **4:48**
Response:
**3:34**
